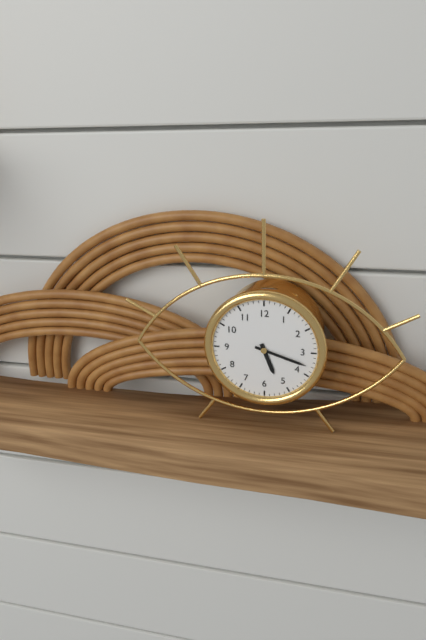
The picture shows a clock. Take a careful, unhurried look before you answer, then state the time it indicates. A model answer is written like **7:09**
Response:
**5:18**
